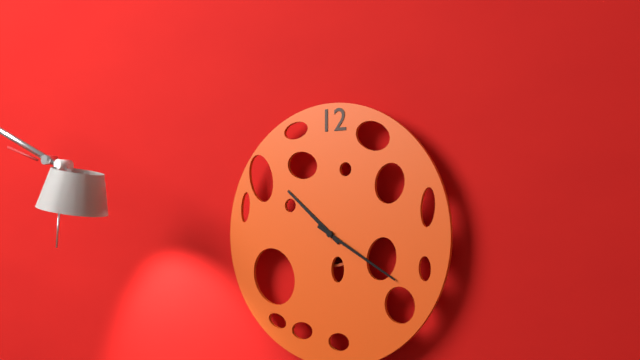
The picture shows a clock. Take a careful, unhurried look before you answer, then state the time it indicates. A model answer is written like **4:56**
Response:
**10:20**
